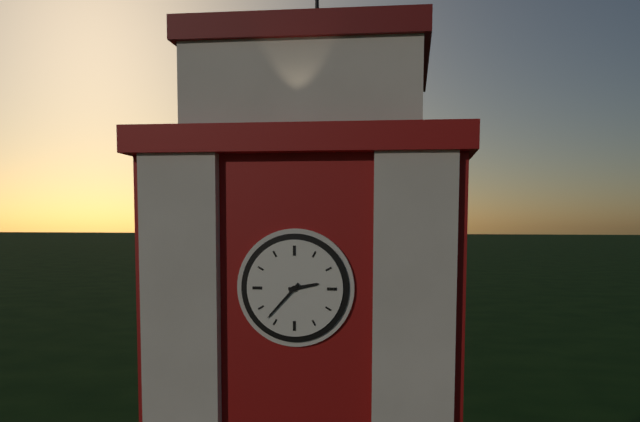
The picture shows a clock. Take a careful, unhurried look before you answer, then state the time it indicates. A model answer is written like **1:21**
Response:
**2:37**
